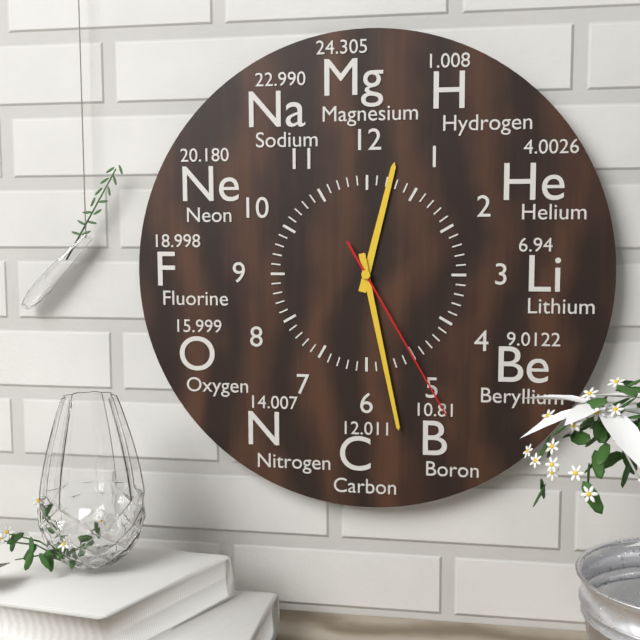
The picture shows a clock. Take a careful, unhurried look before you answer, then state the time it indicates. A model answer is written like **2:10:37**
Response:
**12:28:25**
